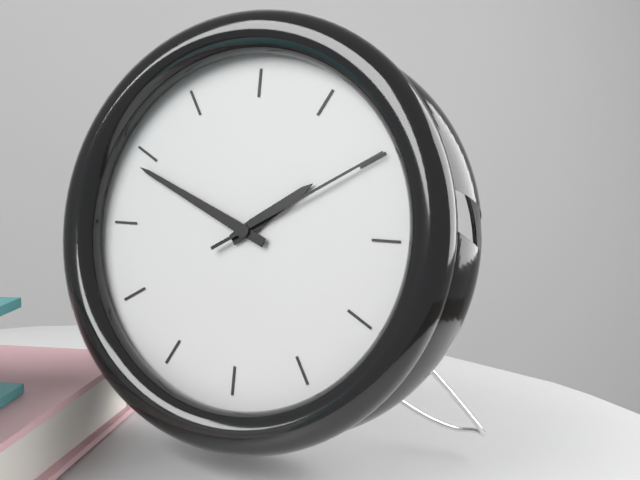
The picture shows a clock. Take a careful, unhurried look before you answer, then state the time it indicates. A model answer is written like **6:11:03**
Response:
**1:49:10**
